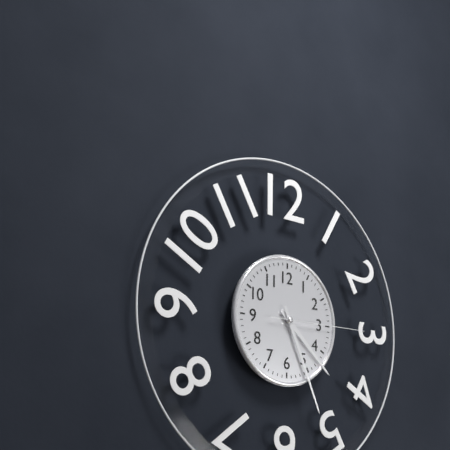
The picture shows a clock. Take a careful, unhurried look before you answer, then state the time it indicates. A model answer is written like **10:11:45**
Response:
**4:26:15**
